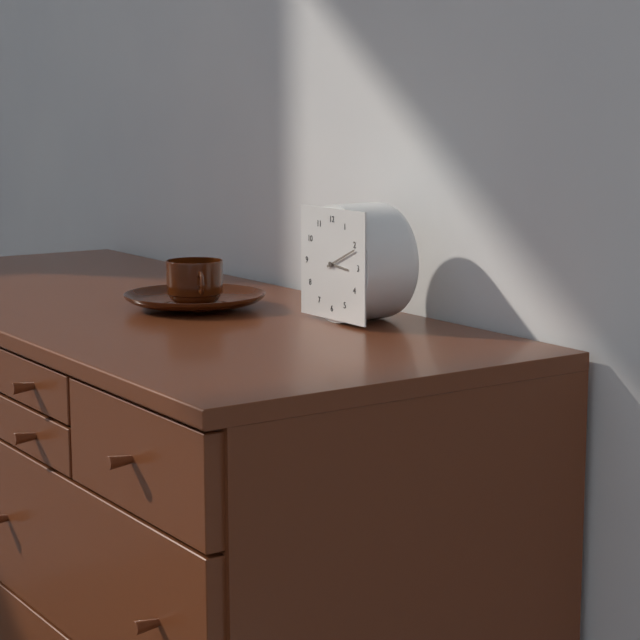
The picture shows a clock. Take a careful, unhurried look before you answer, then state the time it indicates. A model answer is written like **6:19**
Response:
**3:11**
